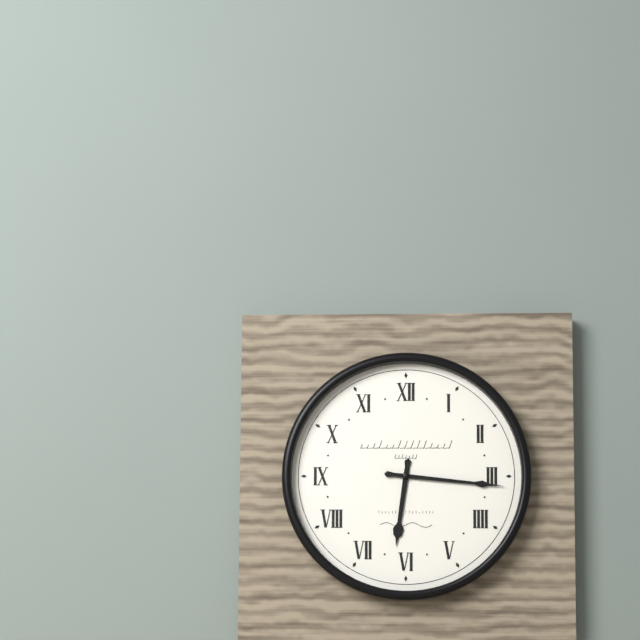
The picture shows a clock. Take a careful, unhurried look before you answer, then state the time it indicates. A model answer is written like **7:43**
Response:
**6:16**
